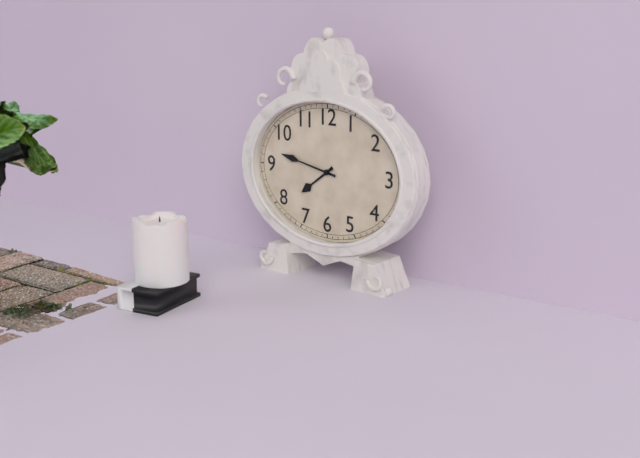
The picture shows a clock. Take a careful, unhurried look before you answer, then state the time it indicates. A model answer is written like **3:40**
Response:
**7:47**
